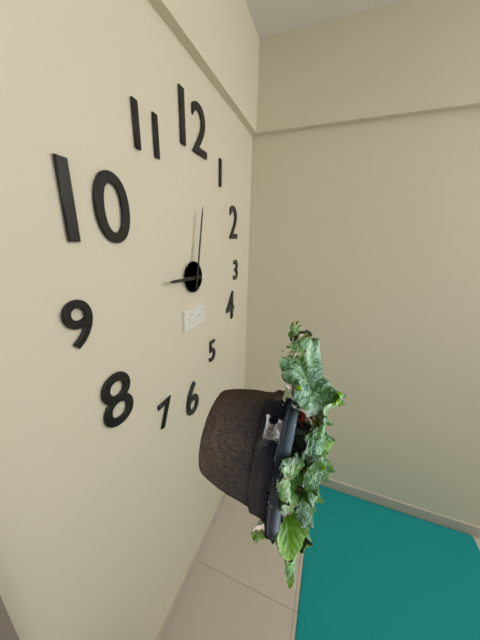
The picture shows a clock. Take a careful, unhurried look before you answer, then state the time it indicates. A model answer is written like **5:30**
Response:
**9:02**
